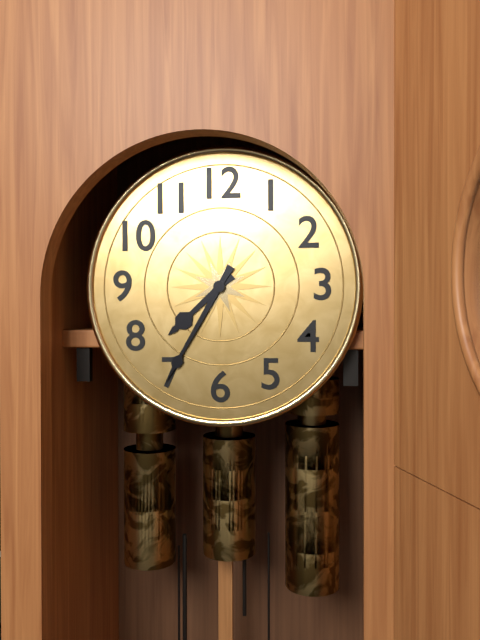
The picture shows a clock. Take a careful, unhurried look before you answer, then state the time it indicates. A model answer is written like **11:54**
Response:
**7:35**
